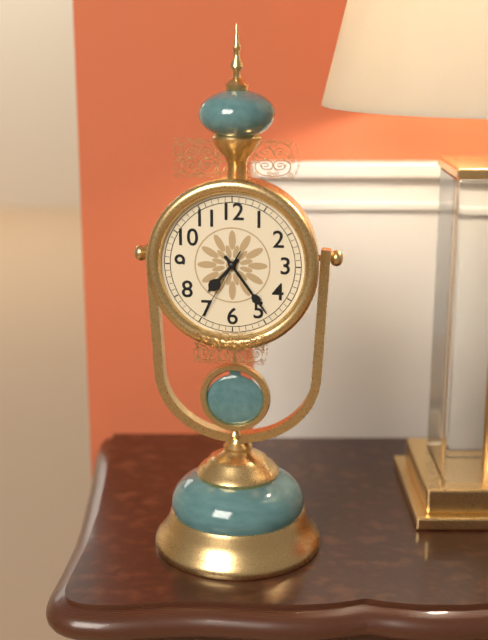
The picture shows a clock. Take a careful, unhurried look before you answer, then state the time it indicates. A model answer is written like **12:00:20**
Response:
**7:24:35**
